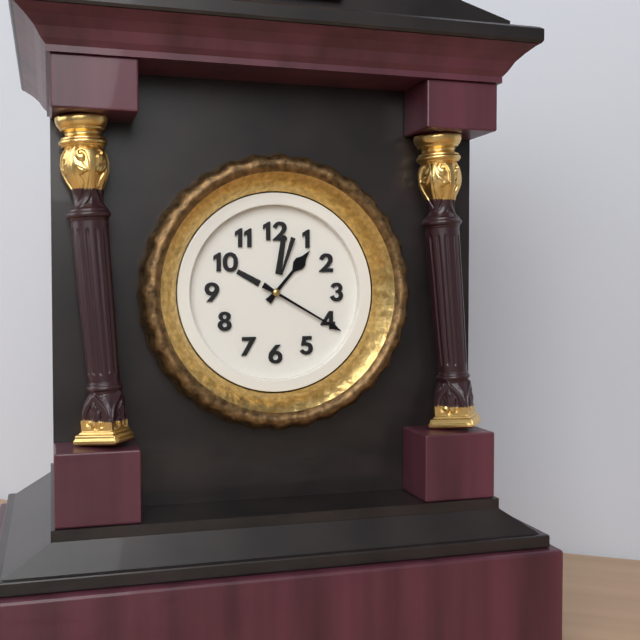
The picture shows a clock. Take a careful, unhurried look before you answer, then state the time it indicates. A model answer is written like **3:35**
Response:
**1:20**
